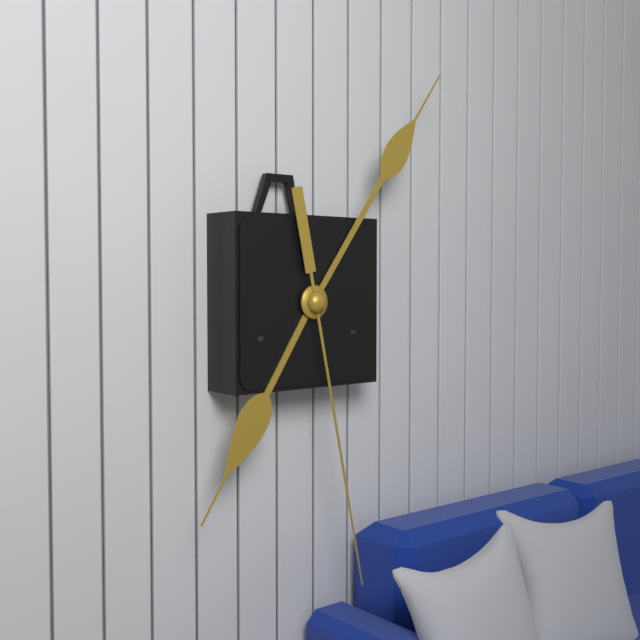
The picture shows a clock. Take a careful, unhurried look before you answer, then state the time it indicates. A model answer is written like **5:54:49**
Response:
**7:06:28**
